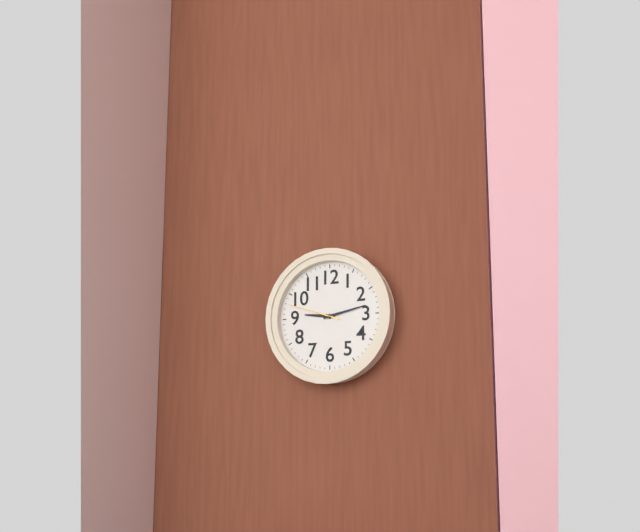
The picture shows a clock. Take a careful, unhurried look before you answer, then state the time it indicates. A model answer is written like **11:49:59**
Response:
**9:13:48**
